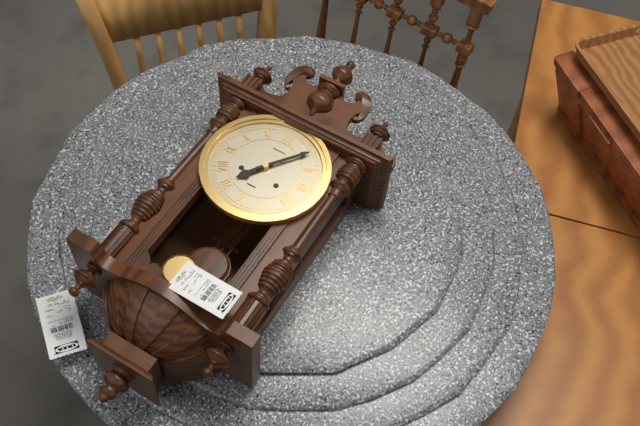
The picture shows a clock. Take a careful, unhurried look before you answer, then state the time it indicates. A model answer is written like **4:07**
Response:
**7:06**
